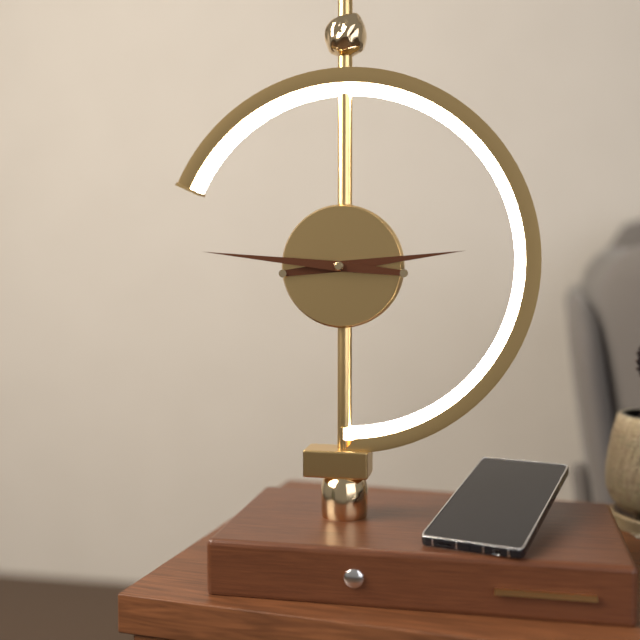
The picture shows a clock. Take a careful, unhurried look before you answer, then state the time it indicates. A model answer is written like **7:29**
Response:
**2:46**
